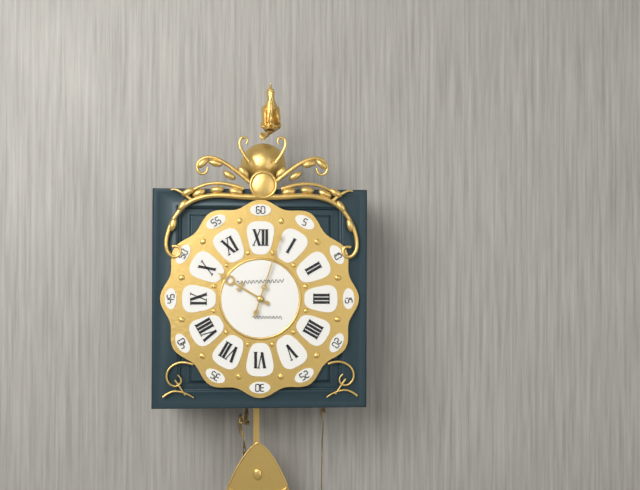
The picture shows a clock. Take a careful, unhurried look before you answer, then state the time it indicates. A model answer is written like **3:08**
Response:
**10:03**
